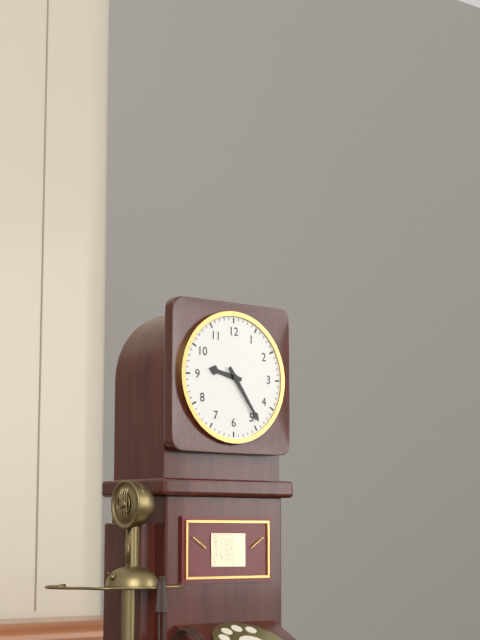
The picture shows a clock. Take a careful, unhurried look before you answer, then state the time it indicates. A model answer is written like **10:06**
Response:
**9:24**
